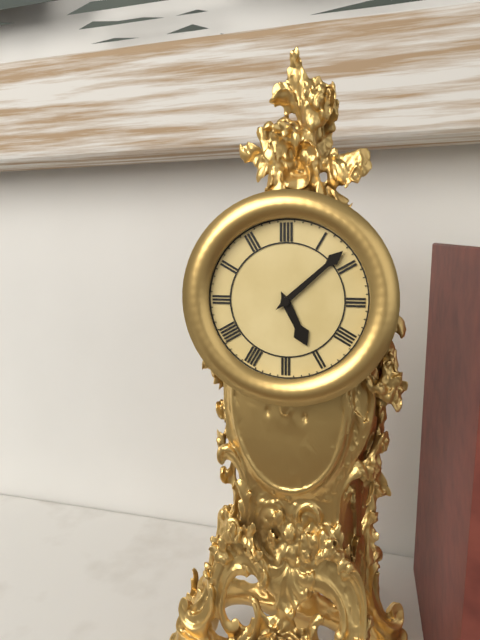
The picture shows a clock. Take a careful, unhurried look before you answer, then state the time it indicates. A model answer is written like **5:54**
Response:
**5:08**
